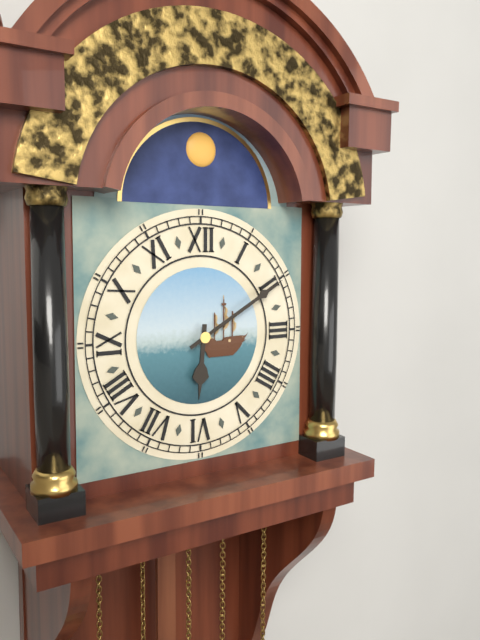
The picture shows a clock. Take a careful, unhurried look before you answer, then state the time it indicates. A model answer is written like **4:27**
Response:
**6:10**
